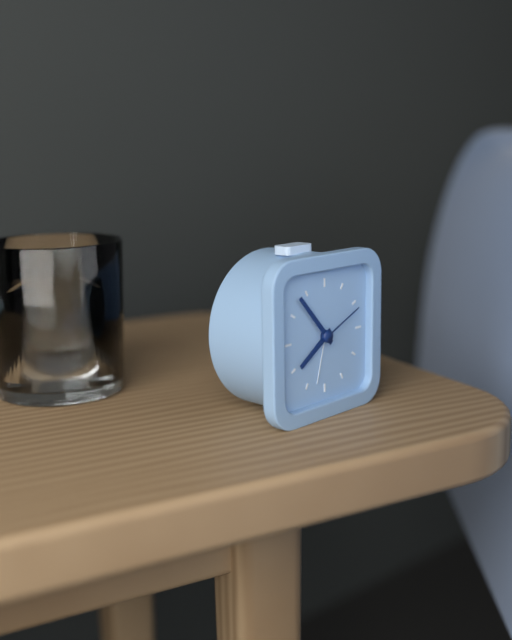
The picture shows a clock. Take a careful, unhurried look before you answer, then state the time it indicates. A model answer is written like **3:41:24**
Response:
**7:53:11**
